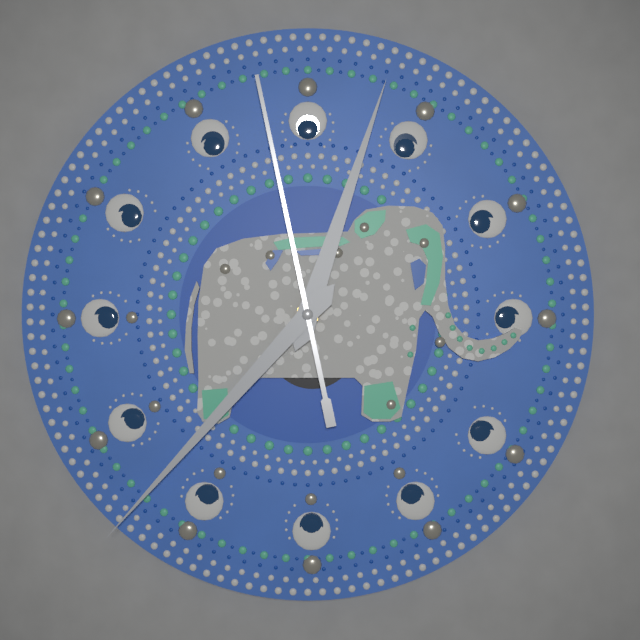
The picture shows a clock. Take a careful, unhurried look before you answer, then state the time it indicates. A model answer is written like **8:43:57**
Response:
**12:37:58**
